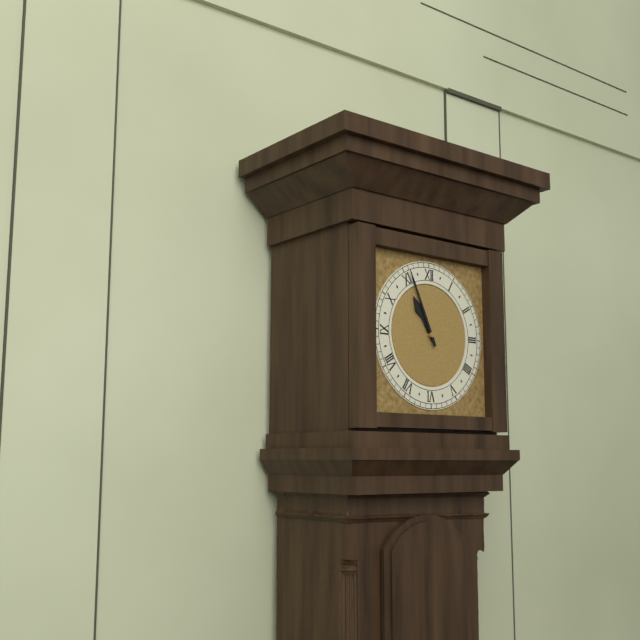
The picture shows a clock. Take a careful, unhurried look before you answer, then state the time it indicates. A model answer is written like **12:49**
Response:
**10:56**
